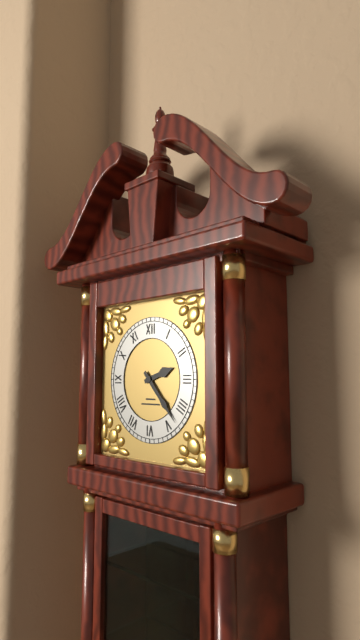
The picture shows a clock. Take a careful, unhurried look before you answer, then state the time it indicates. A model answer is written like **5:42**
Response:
**2:23**
